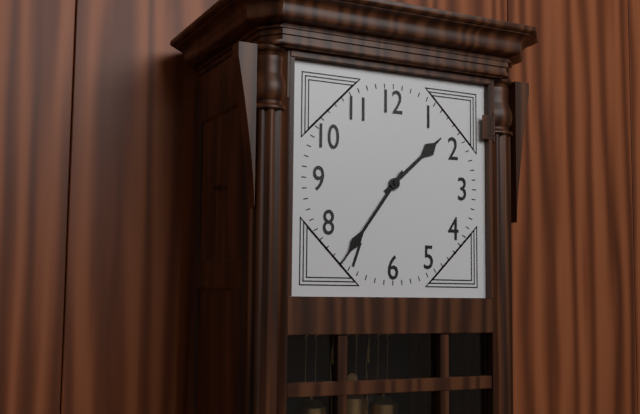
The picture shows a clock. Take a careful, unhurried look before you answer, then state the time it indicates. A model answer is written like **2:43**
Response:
**1:36**
